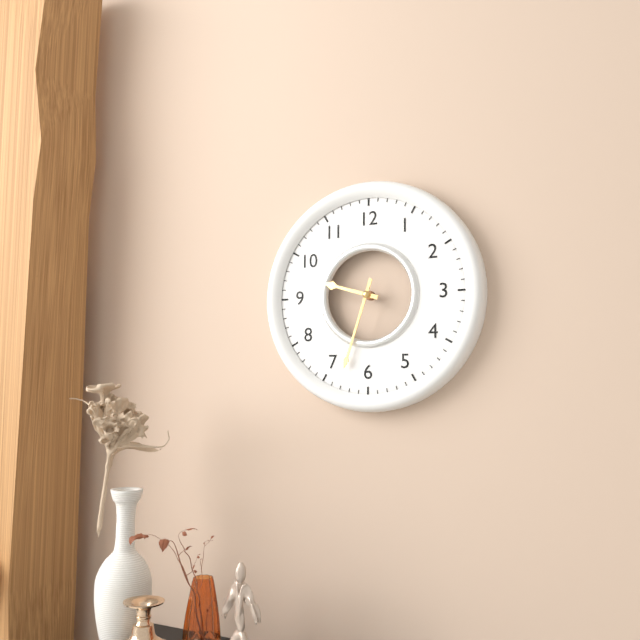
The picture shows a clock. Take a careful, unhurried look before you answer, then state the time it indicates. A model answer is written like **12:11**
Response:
**9:33**
